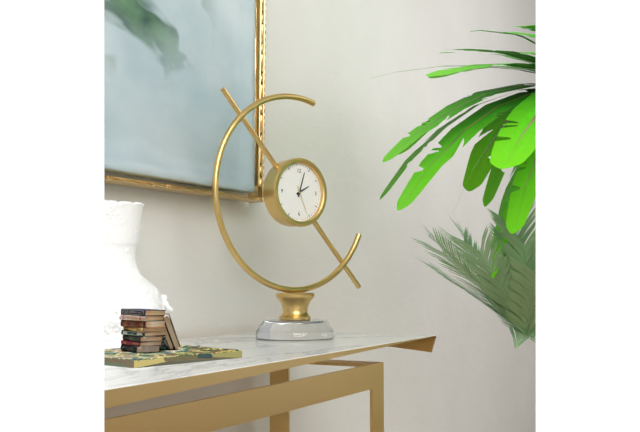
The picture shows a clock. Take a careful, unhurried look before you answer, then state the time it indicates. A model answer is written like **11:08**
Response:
**2:03**
